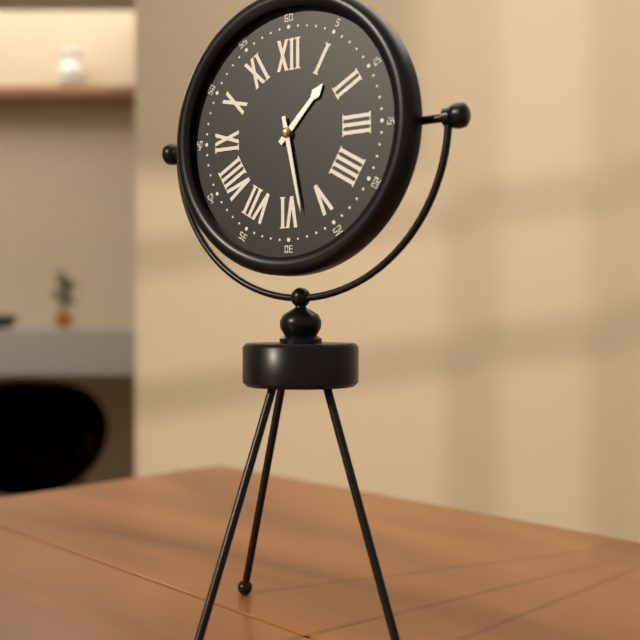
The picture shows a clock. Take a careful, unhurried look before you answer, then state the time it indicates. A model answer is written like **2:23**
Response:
**1:28**
